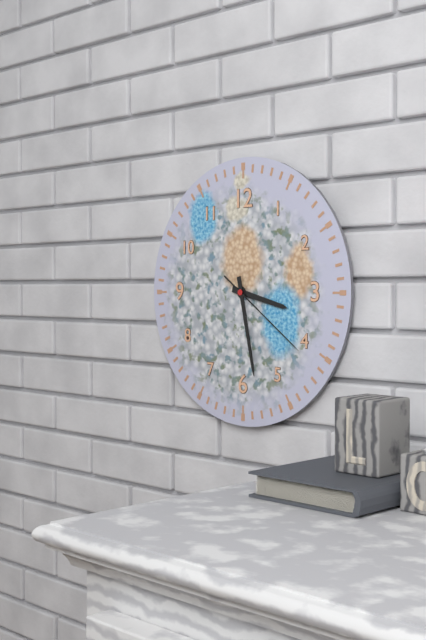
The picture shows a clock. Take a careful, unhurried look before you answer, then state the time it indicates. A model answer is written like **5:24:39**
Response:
**3:28:21**
